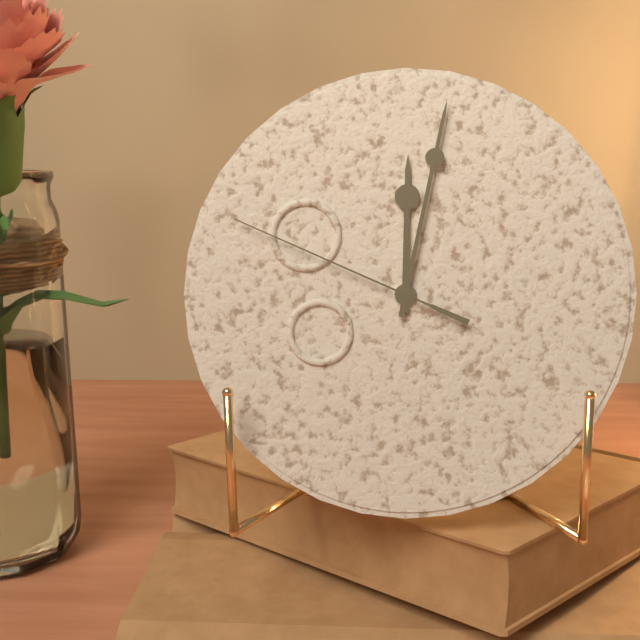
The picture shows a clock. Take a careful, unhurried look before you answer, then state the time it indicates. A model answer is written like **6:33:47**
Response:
**12:02:49**
